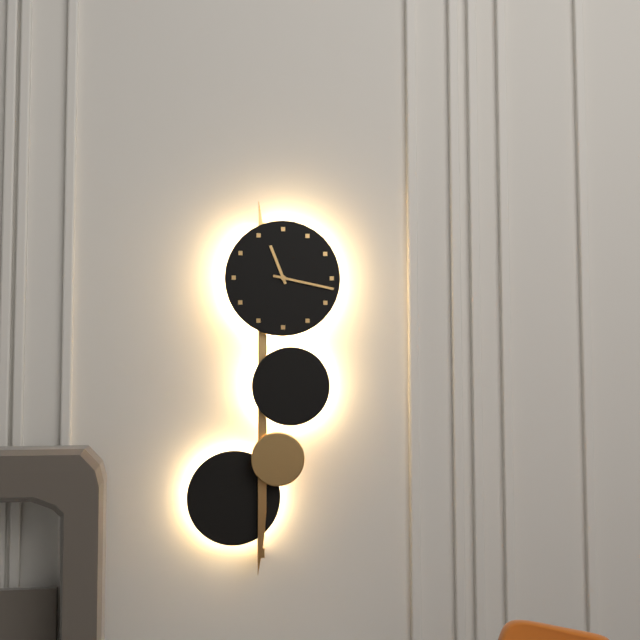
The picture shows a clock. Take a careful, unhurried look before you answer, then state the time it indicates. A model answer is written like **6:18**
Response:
**11:17**
